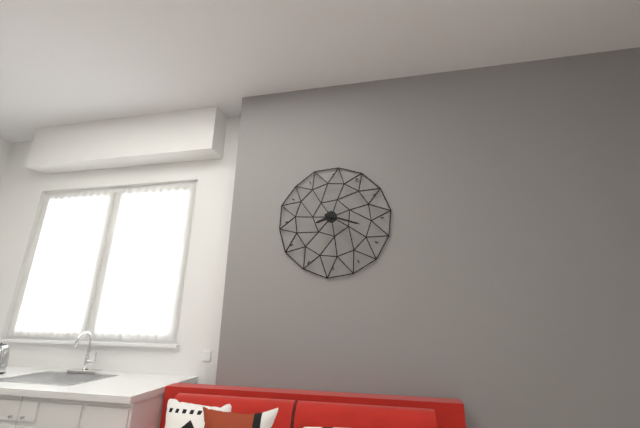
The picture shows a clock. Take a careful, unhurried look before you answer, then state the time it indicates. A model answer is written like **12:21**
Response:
**8:18**
